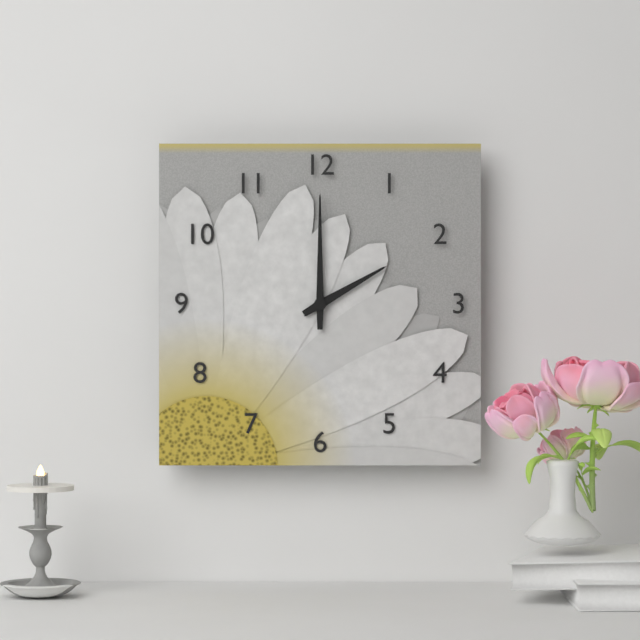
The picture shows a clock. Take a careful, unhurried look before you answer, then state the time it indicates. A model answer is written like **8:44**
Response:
**2:00**
